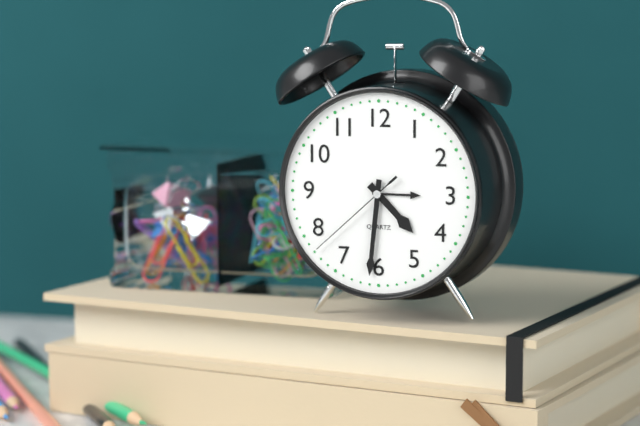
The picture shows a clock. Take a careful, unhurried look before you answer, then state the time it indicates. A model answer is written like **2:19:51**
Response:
**4:31:38**
